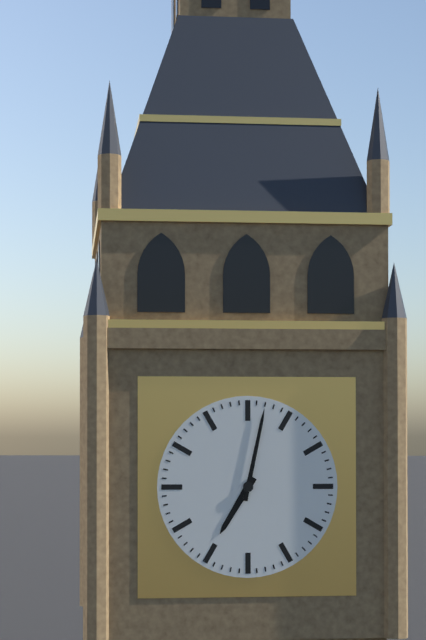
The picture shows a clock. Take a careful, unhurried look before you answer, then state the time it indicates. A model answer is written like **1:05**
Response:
**7:02**
